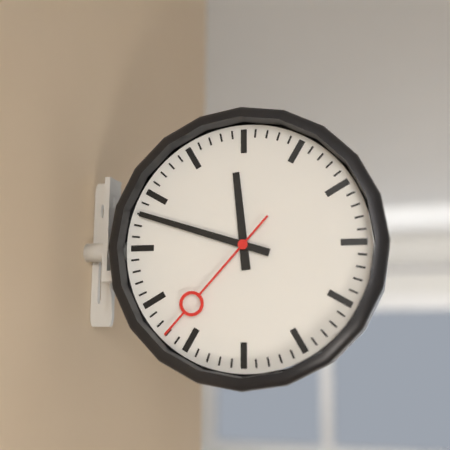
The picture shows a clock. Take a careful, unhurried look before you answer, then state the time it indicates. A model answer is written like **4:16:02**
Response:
**11:48:37**
